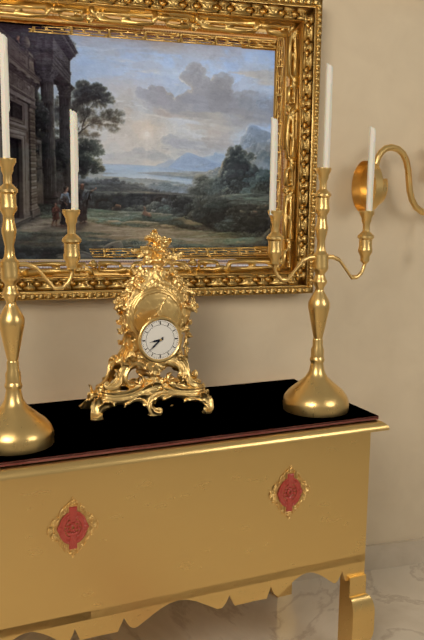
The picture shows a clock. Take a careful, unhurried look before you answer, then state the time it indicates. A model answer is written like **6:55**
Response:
**8:38**
